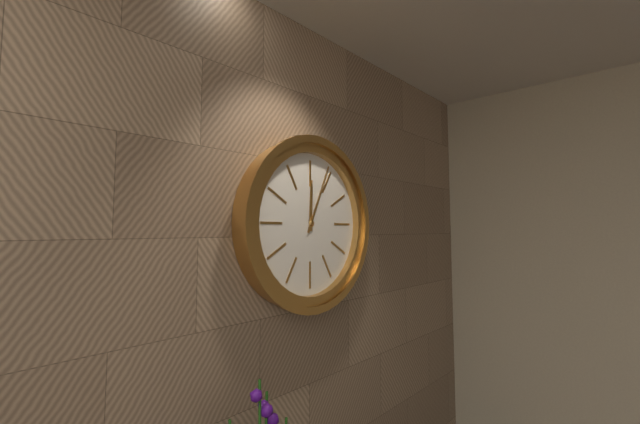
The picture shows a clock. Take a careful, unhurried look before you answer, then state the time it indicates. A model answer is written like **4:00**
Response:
**12:04**
